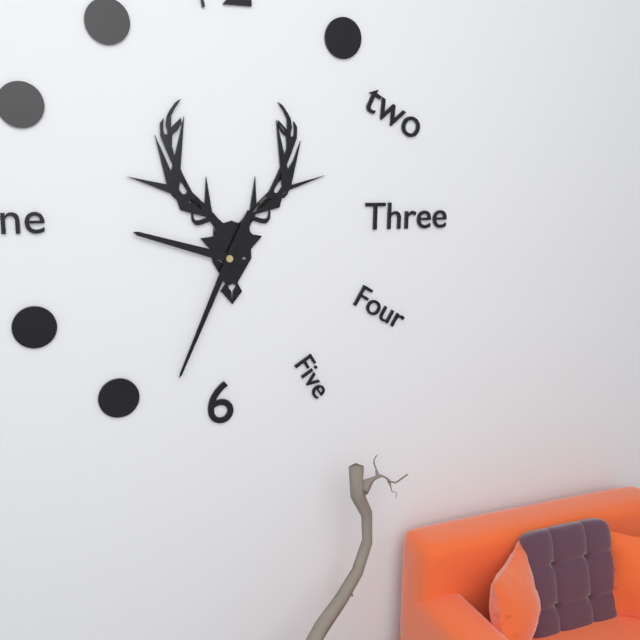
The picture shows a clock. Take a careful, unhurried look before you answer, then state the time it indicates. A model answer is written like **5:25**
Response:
**9:34**
